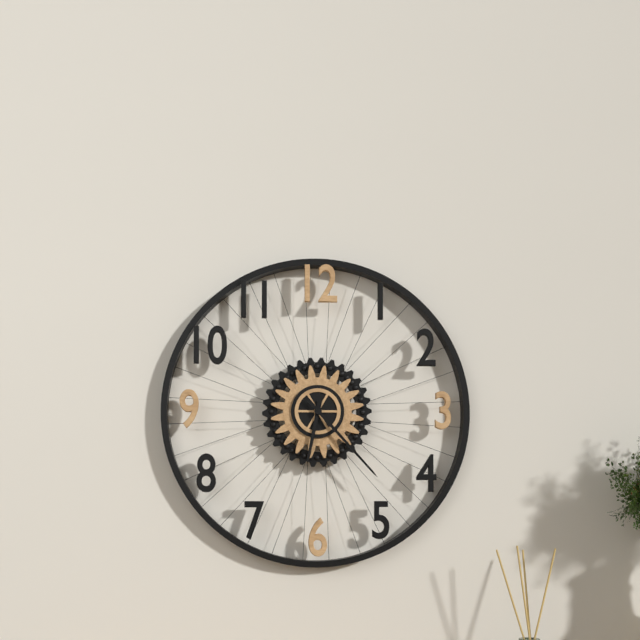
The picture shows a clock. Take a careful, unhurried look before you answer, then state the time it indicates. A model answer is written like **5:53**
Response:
**6:23**
